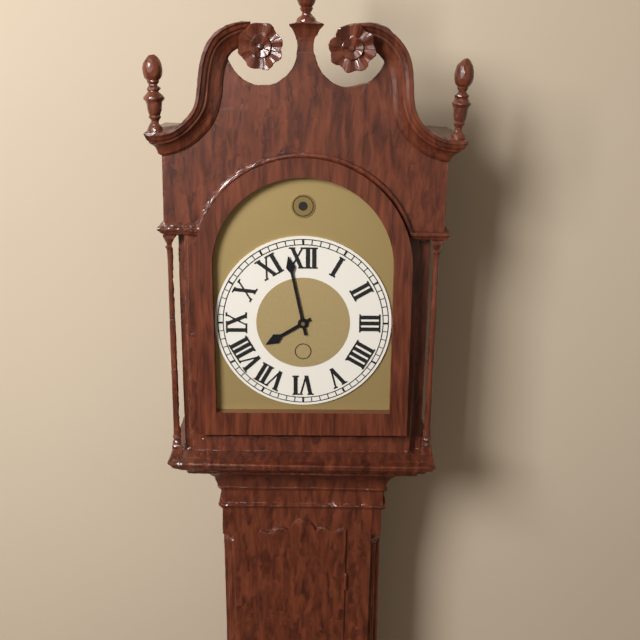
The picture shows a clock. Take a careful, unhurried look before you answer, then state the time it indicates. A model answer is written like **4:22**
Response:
**7:58**
